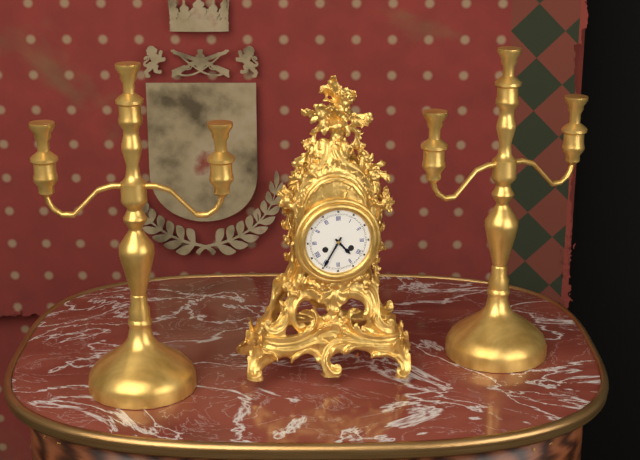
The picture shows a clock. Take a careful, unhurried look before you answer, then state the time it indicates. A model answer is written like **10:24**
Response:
**4:35**
